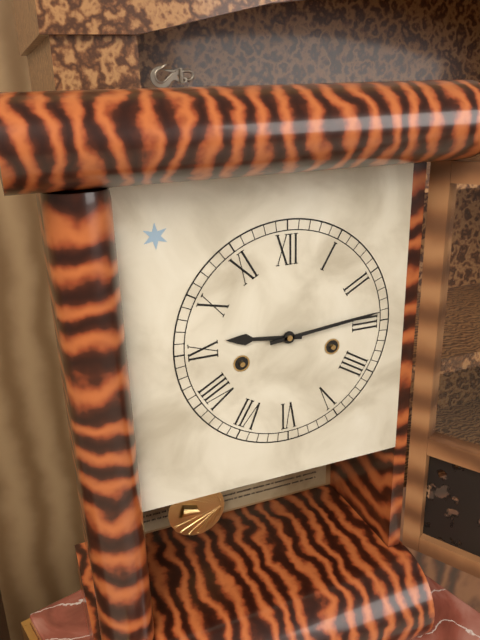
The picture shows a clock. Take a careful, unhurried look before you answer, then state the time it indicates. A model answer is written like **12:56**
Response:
**9:14**
